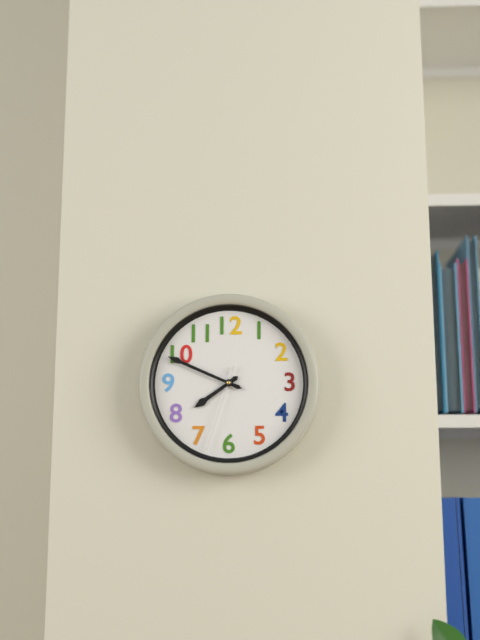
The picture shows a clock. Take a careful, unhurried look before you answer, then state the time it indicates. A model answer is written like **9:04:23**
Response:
**7:49:33**
